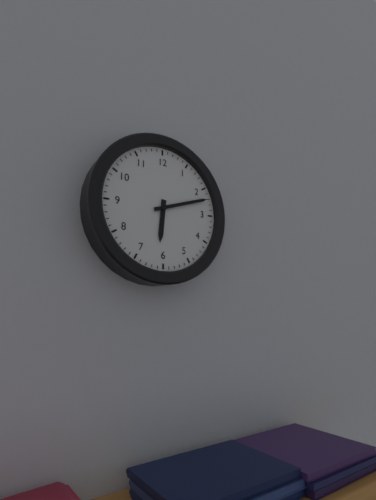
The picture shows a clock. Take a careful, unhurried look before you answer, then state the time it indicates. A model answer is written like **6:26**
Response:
**6:12**
